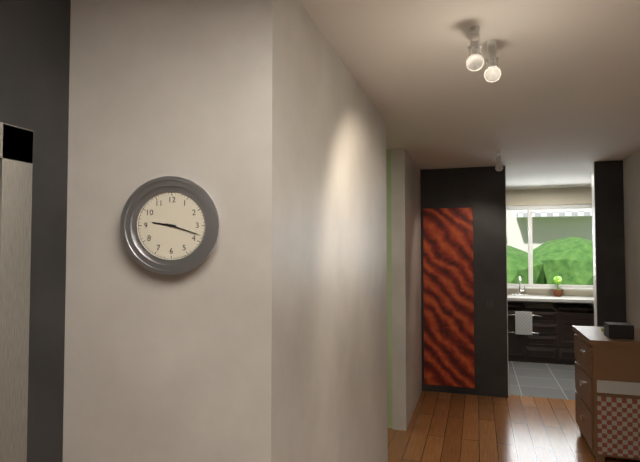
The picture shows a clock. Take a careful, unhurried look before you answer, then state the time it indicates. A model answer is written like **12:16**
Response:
**9:18**
